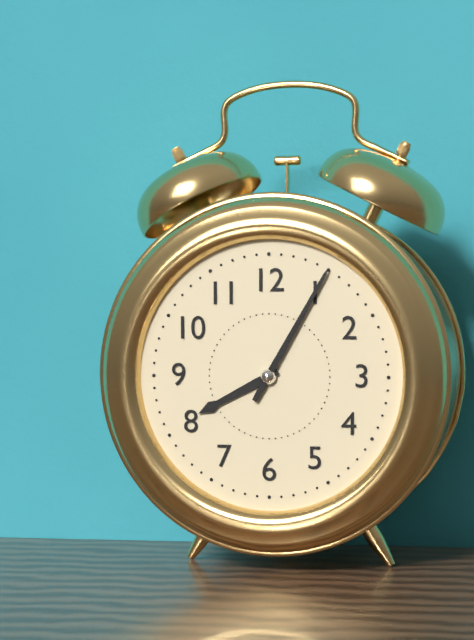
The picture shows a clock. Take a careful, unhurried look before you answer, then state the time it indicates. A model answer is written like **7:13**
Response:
**8:05**
